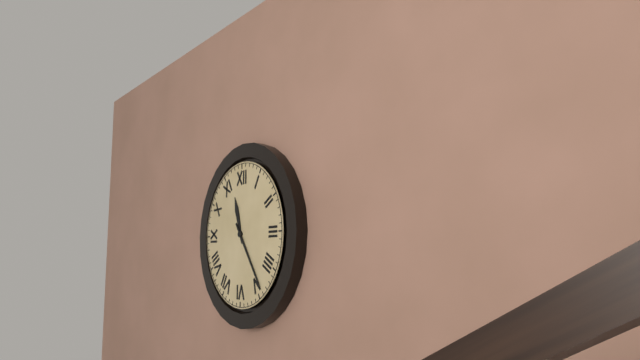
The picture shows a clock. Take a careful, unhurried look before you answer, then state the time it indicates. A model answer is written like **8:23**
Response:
**11:24**
